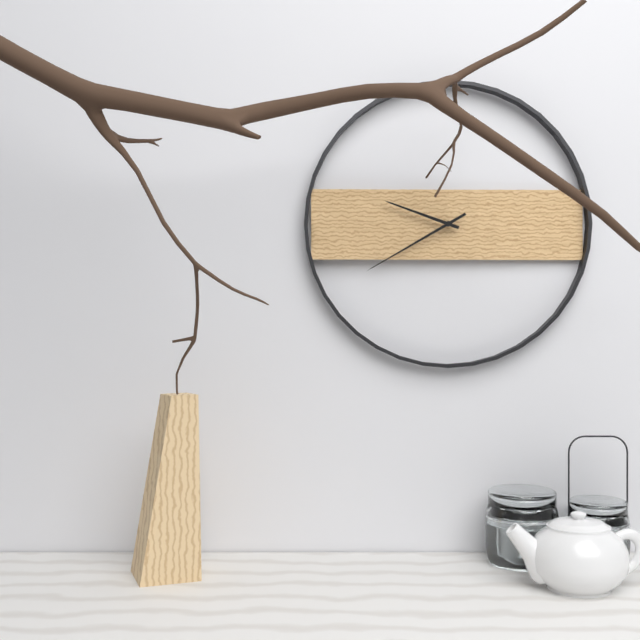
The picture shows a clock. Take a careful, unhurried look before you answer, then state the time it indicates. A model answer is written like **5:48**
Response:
**9:40**
